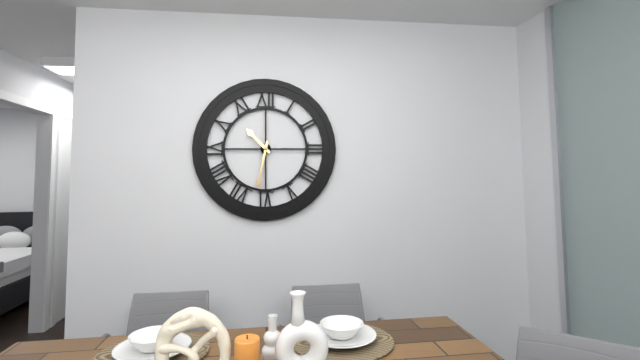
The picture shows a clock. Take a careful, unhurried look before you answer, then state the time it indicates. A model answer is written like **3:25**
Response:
**10:32**
